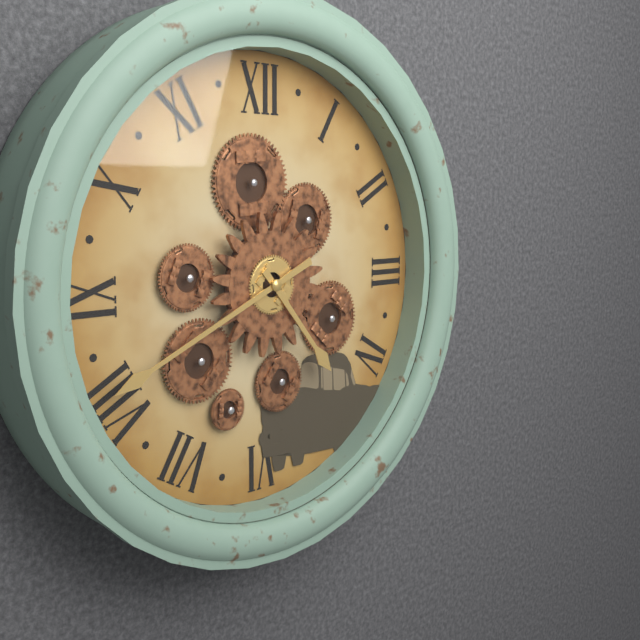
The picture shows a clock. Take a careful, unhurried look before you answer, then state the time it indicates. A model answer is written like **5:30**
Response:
**4:41**
